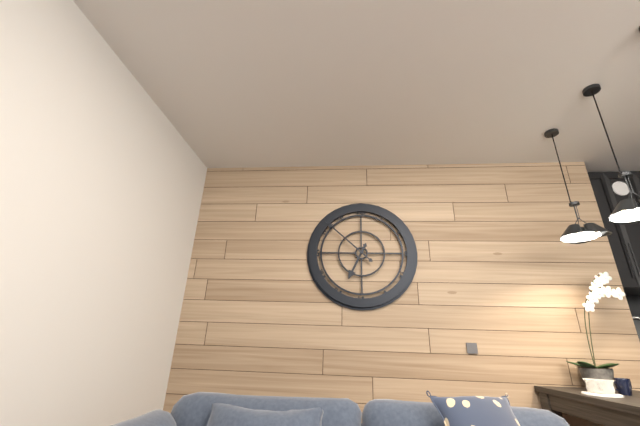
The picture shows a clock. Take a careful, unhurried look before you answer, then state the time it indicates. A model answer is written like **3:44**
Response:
**6:52**
